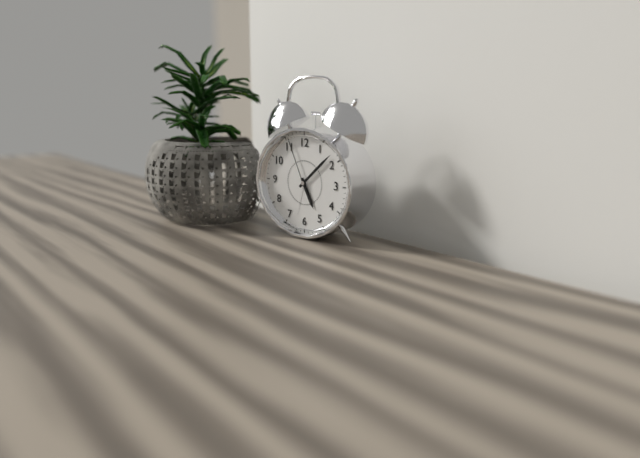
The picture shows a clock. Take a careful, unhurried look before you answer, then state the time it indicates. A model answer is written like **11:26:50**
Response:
**5:08:56**
